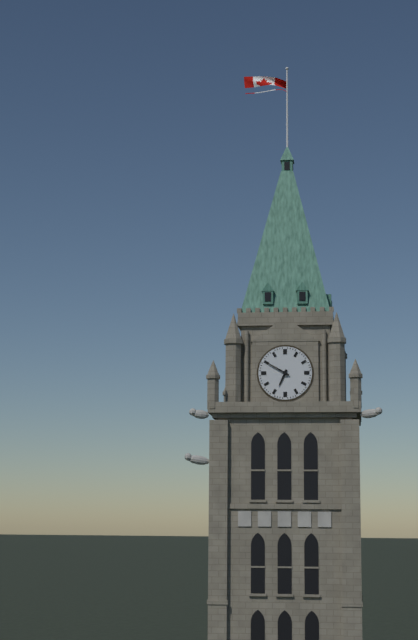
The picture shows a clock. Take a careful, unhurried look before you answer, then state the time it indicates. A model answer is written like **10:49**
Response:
**6:50**
